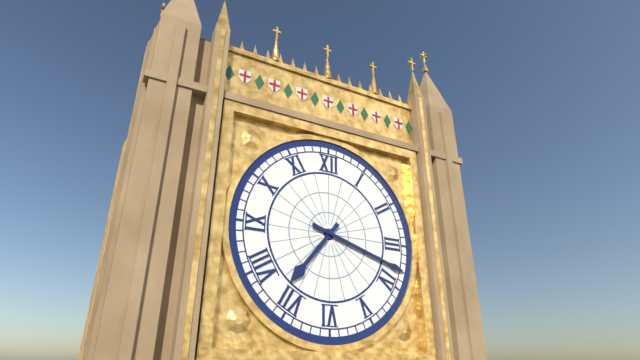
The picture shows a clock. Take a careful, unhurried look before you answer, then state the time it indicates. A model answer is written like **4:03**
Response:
**7:18**
